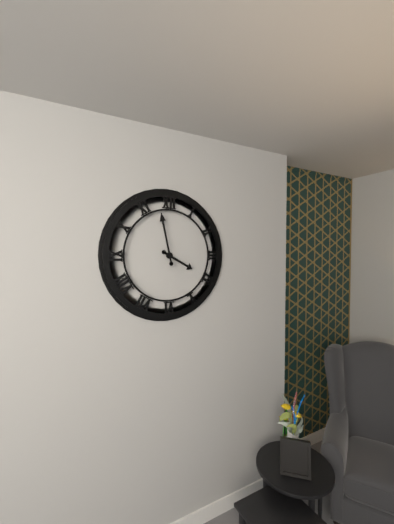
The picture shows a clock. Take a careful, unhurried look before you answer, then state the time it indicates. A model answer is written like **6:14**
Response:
**3:58**
